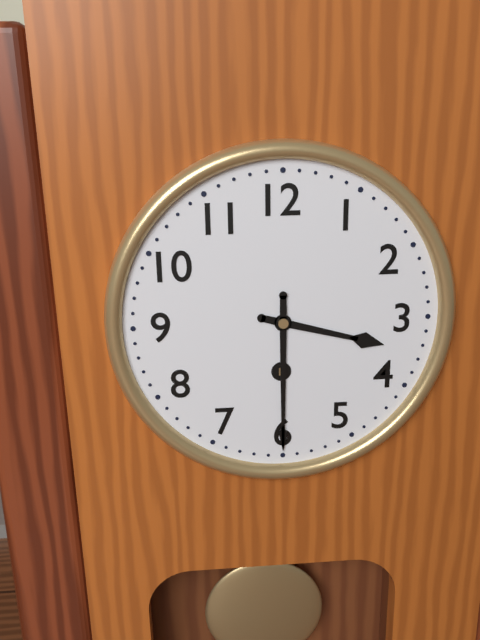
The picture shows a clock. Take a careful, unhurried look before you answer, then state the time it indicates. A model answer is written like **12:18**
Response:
**3:30**
